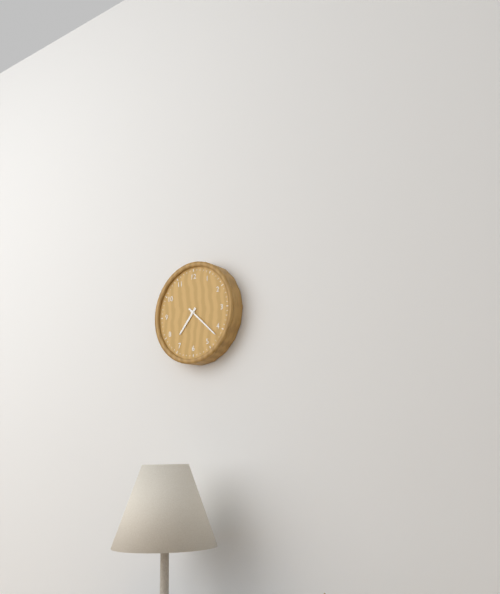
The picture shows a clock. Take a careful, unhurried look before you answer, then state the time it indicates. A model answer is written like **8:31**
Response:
**7:22**
